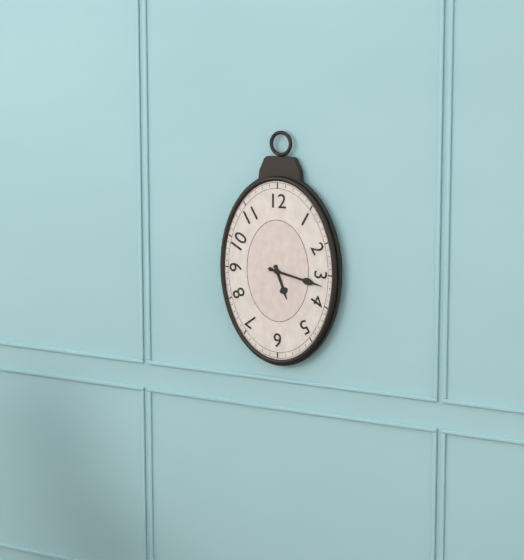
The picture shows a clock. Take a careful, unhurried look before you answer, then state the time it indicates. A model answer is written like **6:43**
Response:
**5:17**
